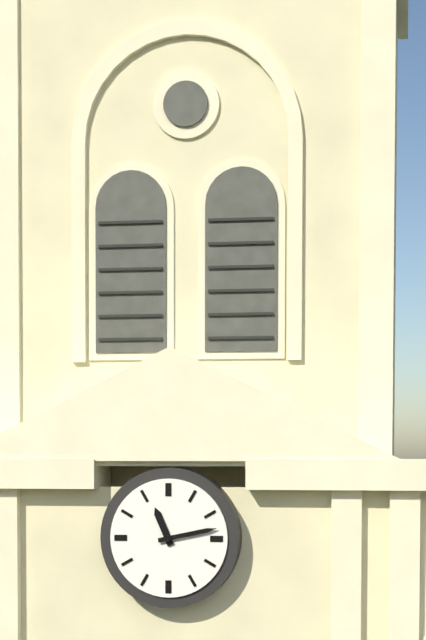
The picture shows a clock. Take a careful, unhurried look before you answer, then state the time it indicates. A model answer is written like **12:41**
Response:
**11:13**
